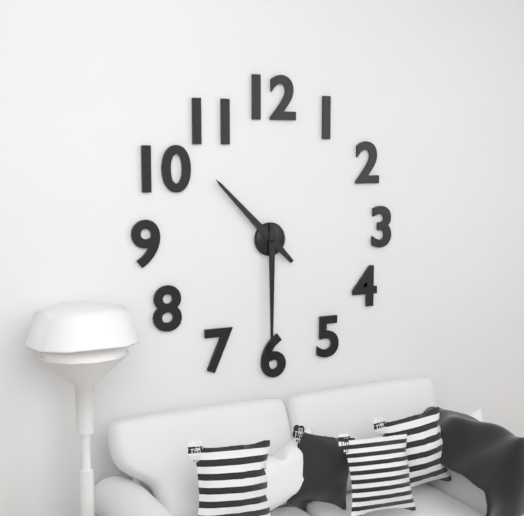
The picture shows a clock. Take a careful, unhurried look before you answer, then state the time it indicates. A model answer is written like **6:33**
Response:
**10:30**
